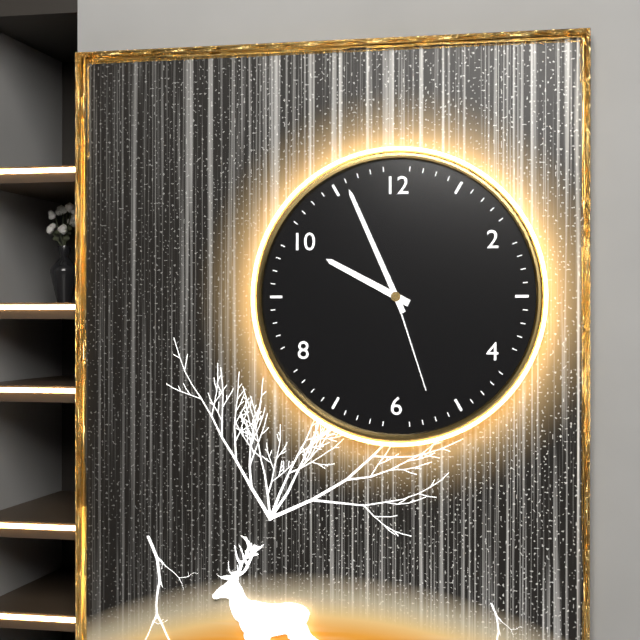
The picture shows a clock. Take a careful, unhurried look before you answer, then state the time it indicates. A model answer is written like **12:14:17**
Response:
**9:56:27**
